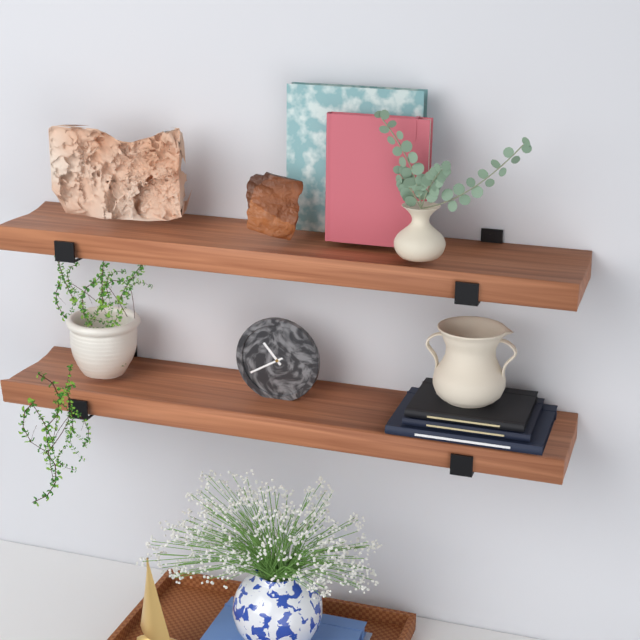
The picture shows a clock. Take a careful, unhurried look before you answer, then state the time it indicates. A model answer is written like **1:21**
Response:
**10:40**
